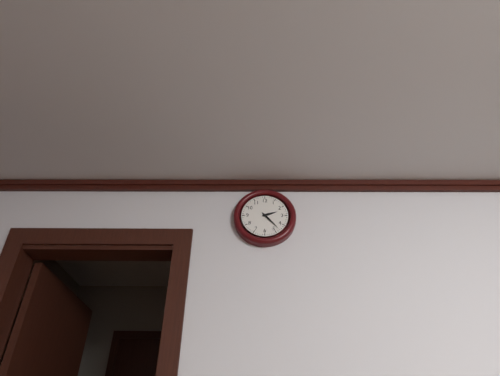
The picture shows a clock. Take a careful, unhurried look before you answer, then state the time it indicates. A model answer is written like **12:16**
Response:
**2:23**
